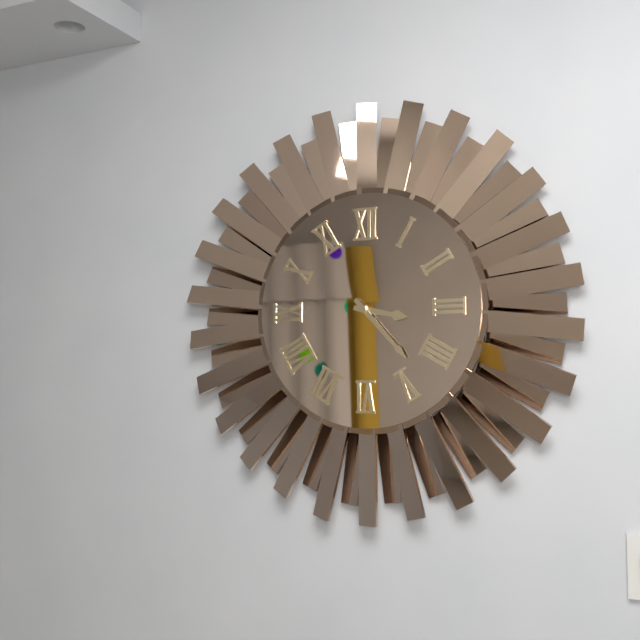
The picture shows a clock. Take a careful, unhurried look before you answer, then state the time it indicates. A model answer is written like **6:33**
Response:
**3:23**
